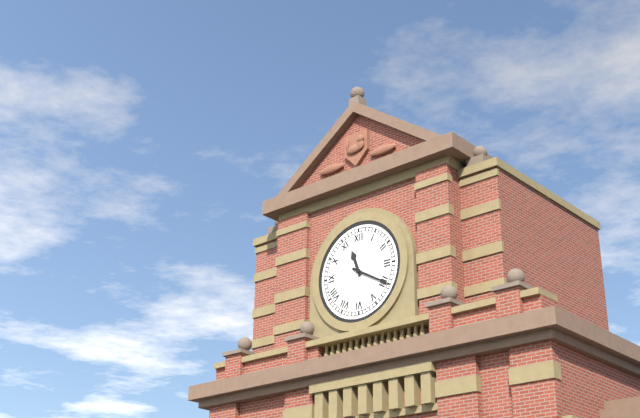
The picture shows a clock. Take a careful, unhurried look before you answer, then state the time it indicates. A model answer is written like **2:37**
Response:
**11:20**
